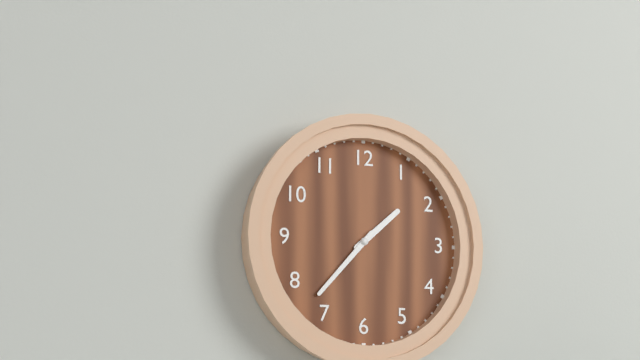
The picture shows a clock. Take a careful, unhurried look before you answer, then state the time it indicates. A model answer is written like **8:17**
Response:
**1:37**
